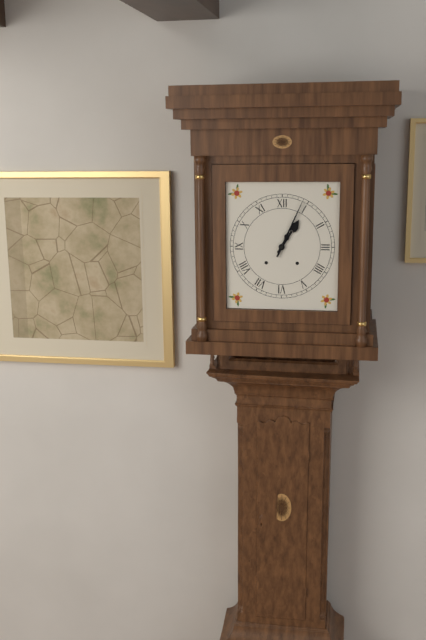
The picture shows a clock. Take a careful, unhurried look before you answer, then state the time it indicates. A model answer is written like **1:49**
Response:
**1:04**
